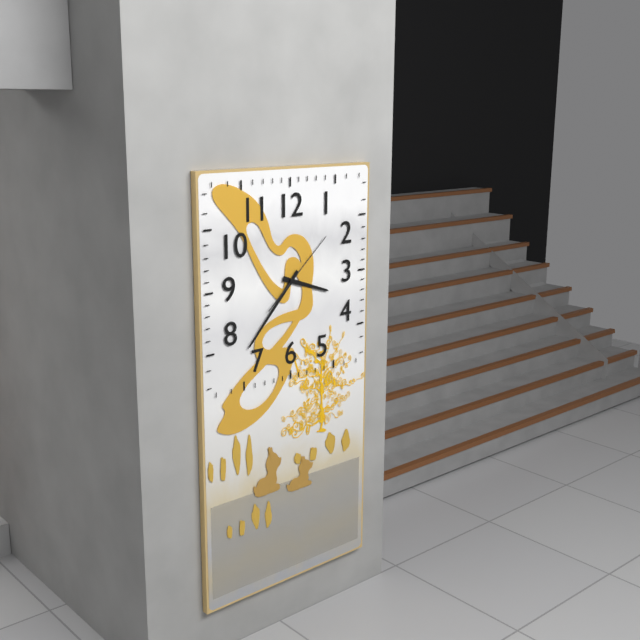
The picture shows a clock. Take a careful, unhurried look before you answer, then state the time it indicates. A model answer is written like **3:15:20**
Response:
**3:37:08**
